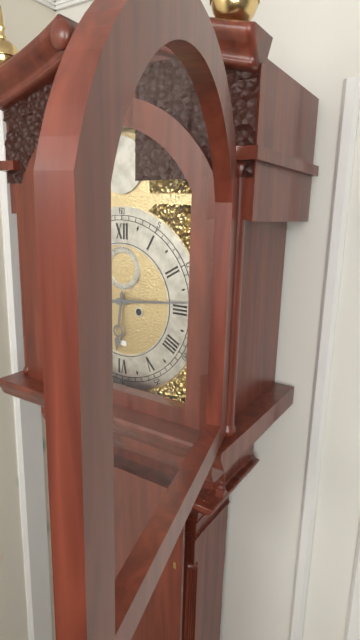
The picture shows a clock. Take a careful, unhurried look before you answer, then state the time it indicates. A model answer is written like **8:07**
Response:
**6:14**
